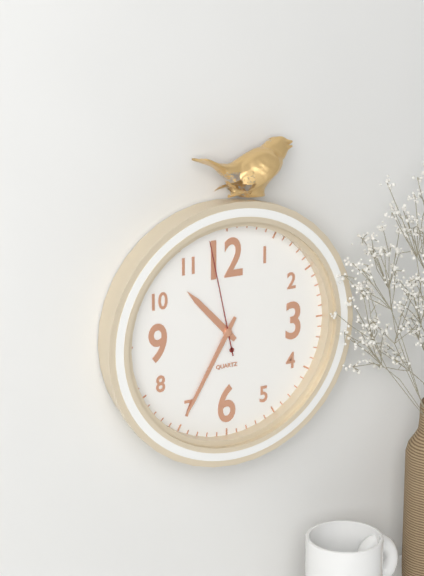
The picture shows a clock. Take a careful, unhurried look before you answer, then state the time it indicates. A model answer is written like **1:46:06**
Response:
**10:35:58**
